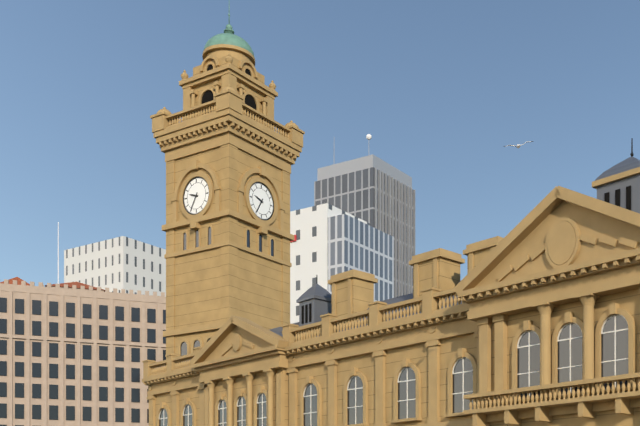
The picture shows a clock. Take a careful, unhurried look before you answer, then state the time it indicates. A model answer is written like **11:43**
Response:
**9:35**
